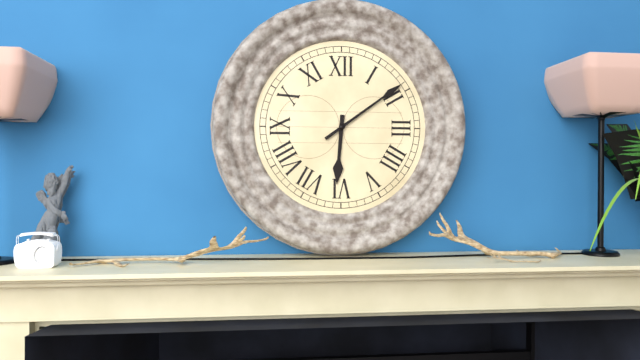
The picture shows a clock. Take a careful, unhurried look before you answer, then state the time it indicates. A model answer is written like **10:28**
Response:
**6:09**
